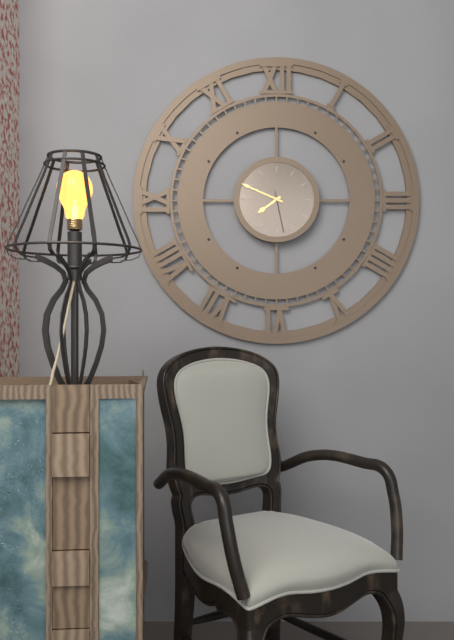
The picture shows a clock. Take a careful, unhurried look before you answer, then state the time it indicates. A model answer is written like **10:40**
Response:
**7:49**
